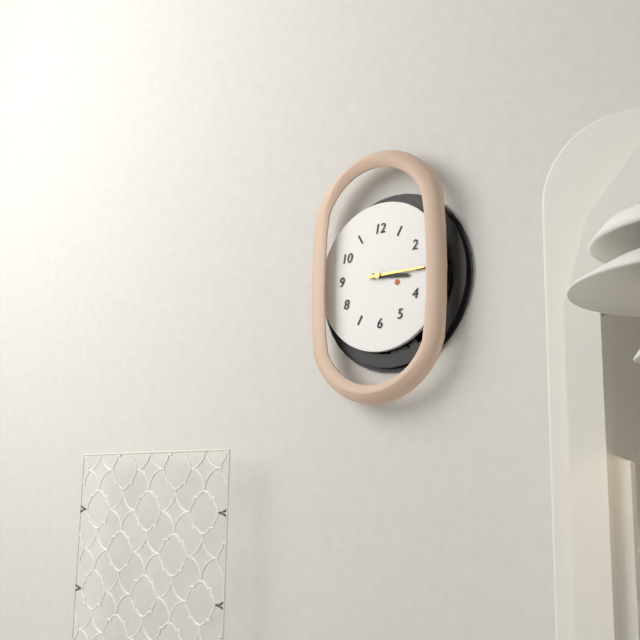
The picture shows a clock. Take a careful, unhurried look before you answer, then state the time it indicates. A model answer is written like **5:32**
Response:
**3:15**
